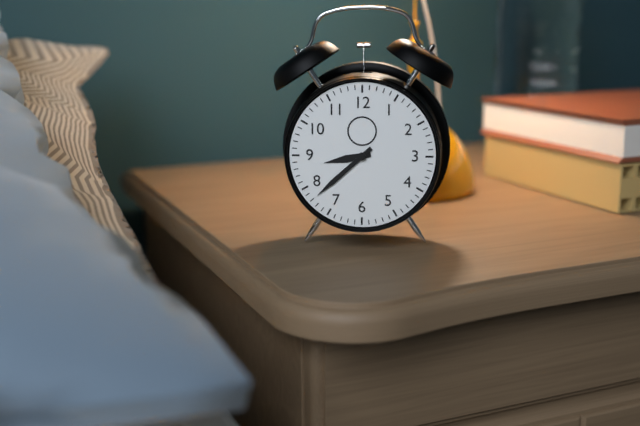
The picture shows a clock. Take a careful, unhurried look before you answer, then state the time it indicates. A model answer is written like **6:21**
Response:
**8:38**
